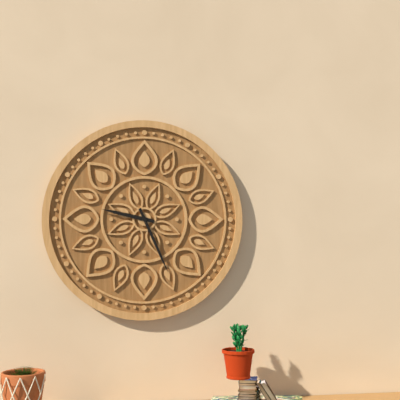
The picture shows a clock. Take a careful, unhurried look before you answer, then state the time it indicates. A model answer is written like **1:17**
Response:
**9:26**
